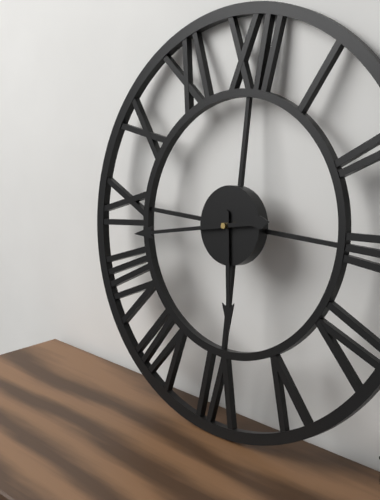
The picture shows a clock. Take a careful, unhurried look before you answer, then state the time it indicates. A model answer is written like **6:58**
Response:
**5:43**
